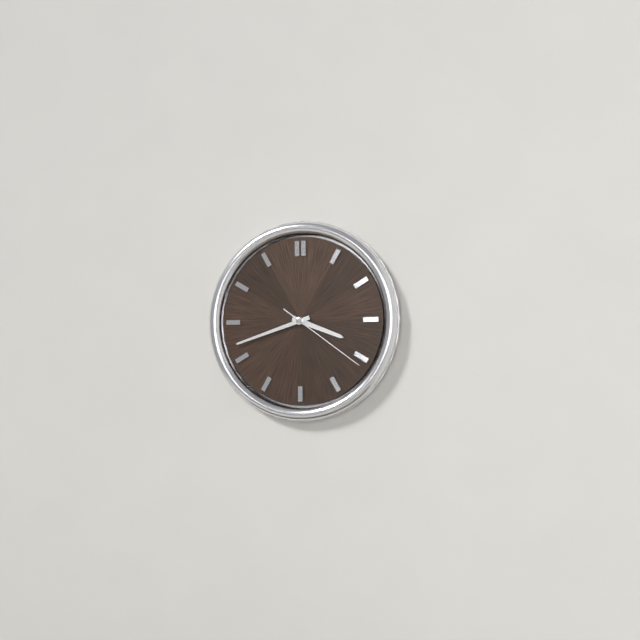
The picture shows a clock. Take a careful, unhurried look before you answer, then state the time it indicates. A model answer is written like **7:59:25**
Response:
**3:42:21**
